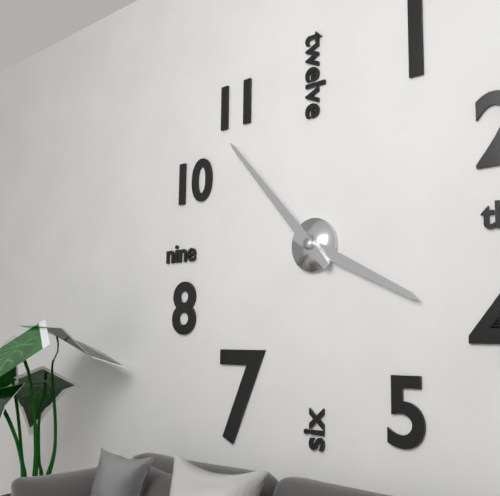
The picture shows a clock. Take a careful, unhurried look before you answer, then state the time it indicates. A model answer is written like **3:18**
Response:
**3:53**
